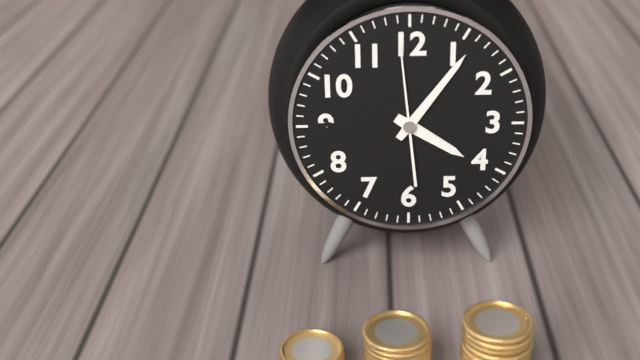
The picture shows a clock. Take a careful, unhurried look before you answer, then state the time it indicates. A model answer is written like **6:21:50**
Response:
**4:06:59**
